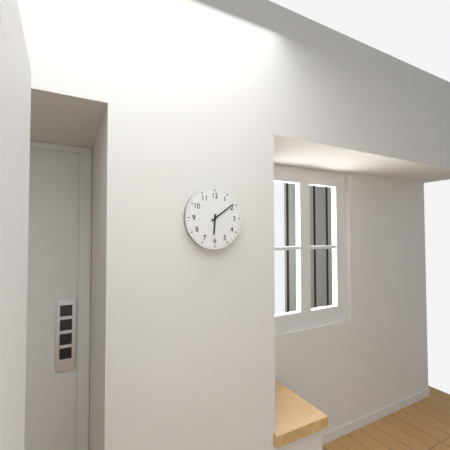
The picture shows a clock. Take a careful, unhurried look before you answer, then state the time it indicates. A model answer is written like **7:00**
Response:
**6:09**
